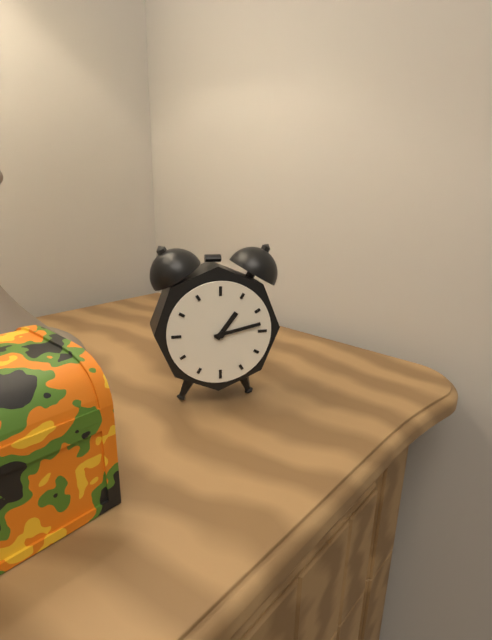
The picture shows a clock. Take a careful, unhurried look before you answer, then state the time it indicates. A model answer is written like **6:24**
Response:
**1:13**
